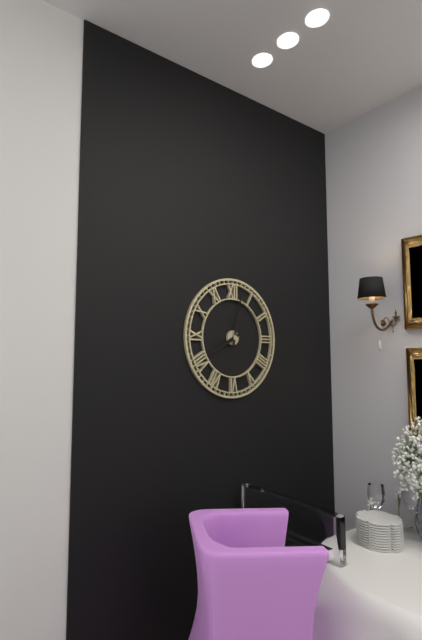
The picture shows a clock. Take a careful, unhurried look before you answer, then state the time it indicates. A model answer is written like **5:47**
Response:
**8:02**
